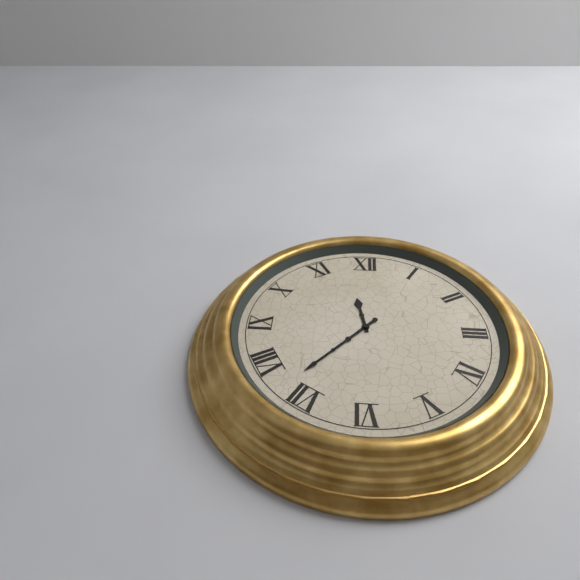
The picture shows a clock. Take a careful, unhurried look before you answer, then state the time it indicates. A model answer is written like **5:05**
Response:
**11:37**
